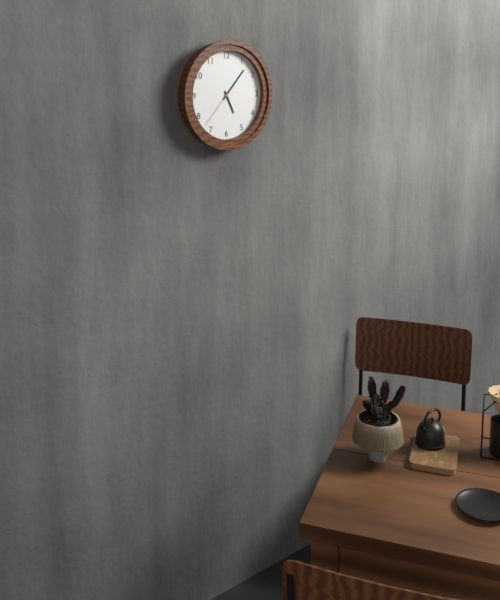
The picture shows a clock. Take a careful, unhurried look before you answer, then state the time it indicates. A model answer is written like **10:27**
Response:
**5:07**
